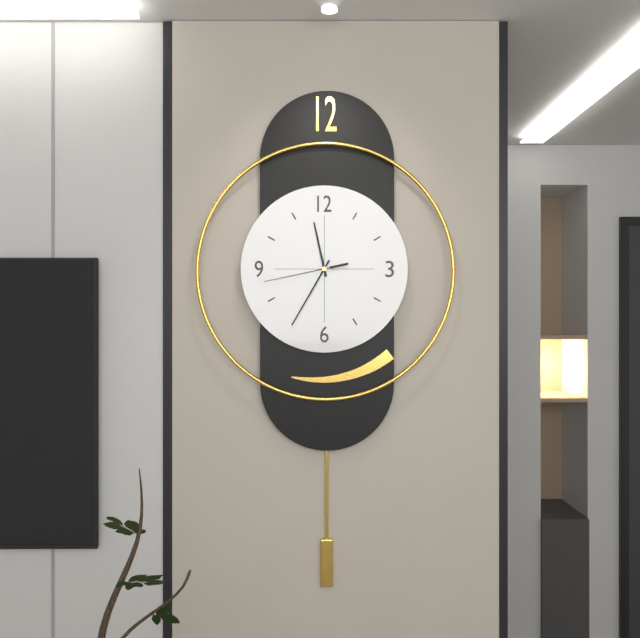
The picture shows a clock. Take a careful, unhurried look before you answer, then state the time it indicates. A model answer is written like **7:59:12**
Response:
**11:35:43**
